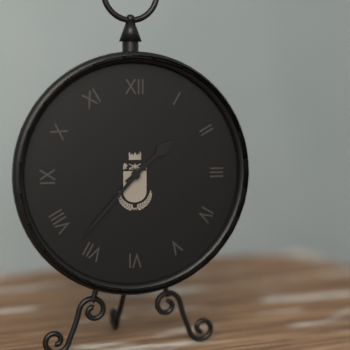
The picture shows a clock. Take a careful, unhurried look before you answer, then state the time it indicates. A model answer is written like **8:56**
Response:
**1:37**
